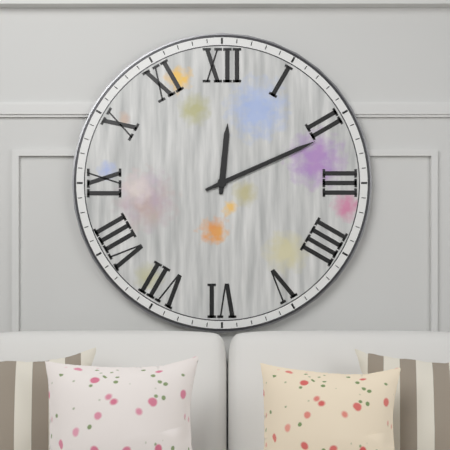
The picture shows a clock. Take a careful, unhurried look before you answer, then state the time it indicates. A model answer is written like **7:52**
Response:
**12:11**
